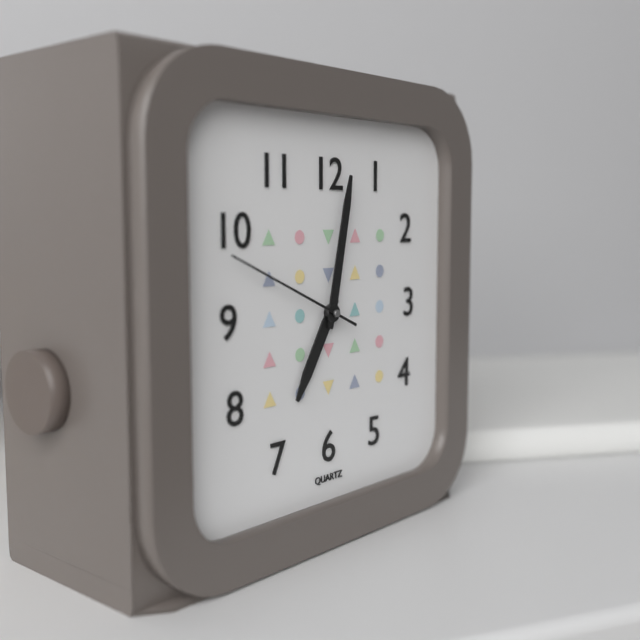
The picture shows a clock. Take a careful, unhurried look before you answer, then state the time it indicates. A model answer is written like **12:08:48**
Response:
**7:02:49**
